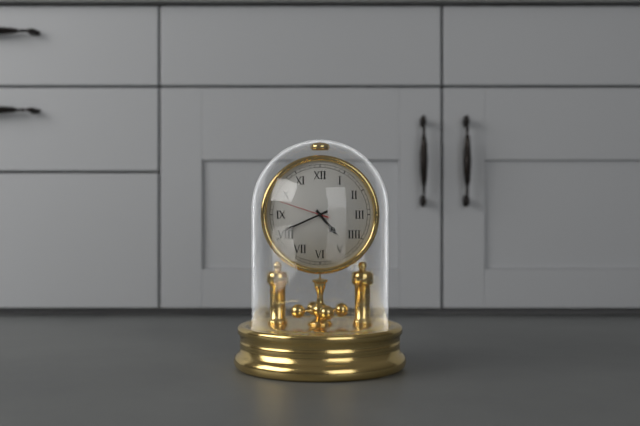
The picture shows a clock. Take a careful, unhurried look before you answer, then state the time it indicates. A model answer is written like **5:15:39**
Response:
**4:41:48**
